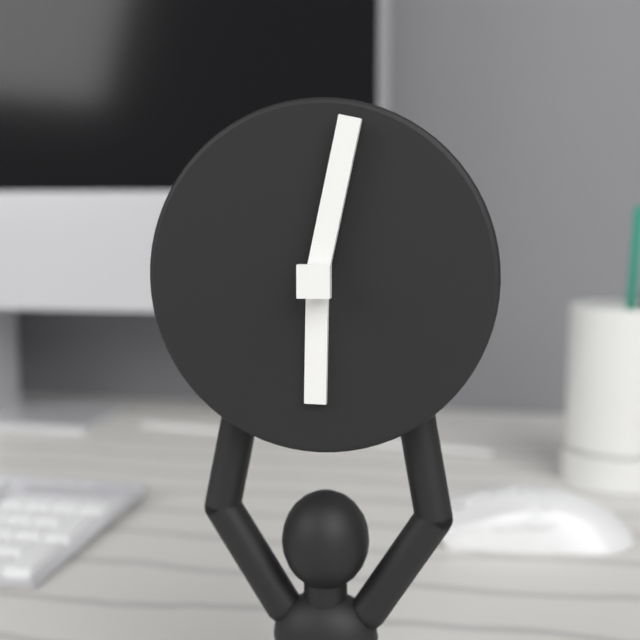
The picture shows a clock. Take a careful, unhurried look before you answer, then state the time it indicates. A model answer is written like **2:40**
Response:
**6:02**
